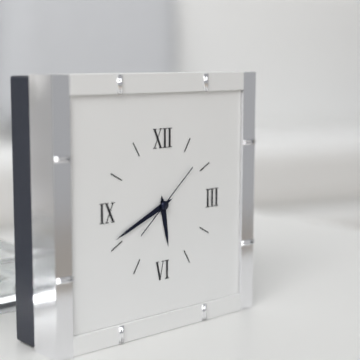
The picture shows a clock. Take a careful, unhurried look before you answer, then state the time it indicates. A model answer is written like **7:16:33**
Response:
**5:41:08**
